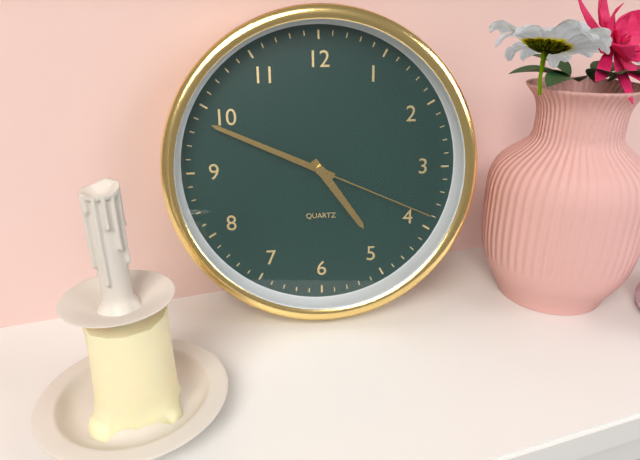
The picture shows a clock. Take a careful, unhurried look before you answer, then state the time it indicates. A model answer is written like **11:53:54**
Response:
**4:49:19**
